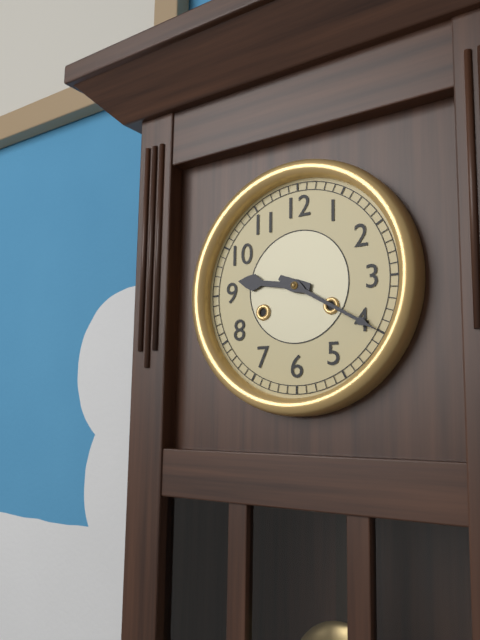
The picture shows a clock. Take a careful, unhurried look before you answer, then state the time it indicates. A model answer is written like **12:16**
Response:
**9:20**
